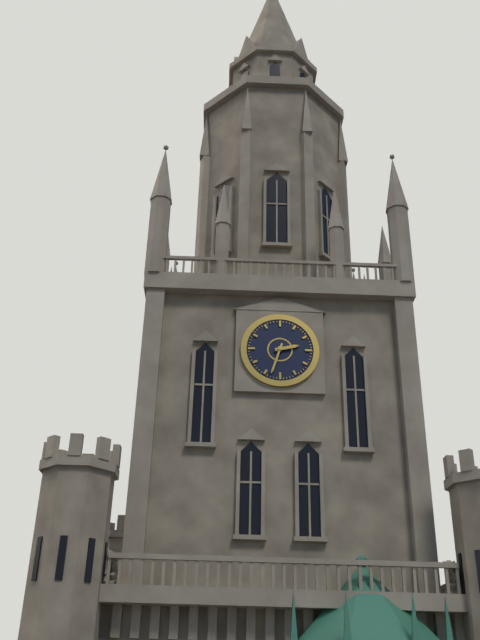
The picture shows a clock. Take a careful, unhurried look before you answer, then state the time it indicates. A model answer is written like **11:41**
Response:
**2:33**
